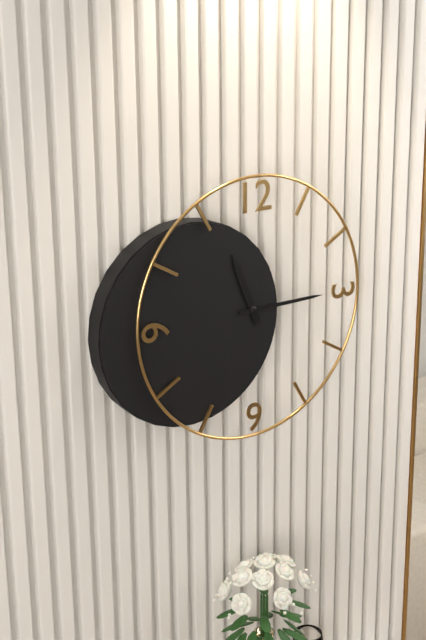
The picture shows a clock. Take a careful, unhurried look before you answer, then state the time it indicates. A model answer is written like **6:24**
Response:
**11:15**
